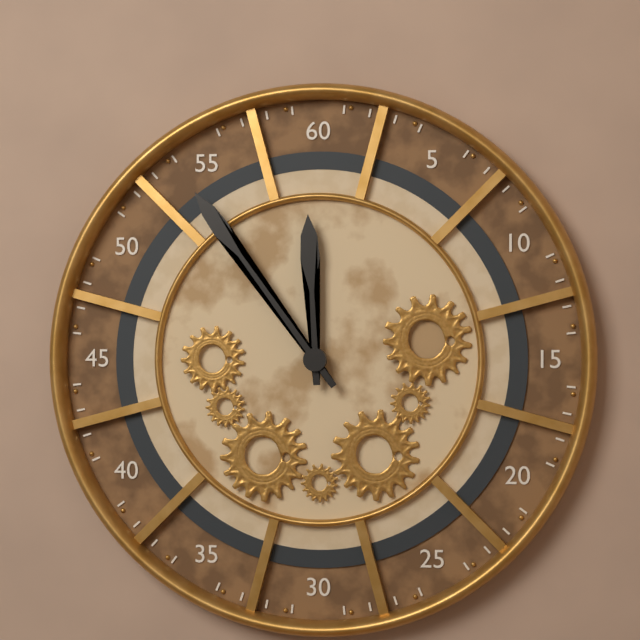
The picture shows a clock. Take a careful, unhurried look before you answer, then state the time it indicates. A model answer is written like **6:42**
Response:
**11:54**
